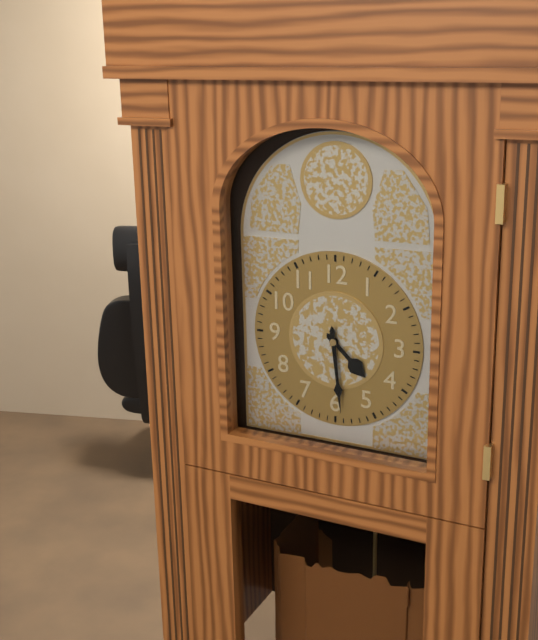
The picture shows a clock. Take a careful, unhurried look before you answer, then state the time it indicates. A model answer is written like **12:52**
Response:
**4:29**
